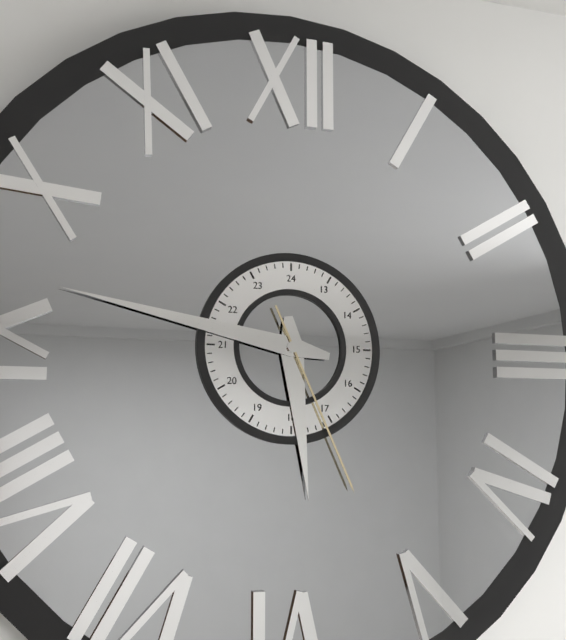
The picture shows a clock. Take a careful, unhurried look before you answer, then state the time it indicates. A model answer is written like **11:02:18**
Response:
**5:47:26**
